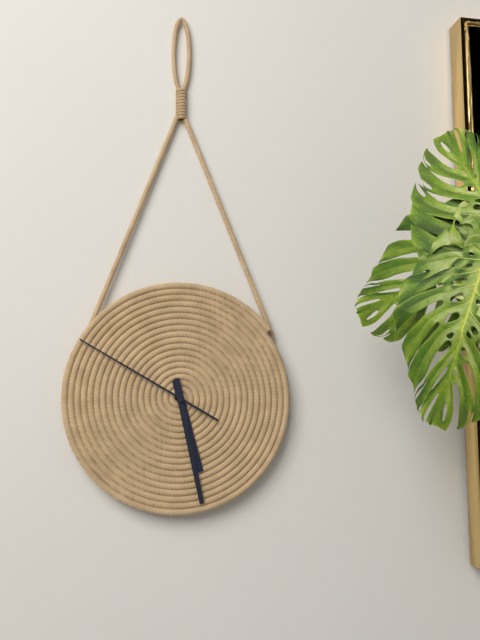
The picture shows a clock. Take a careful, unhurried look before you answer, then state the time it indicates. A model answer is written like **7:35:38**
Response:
**5:28:50**
